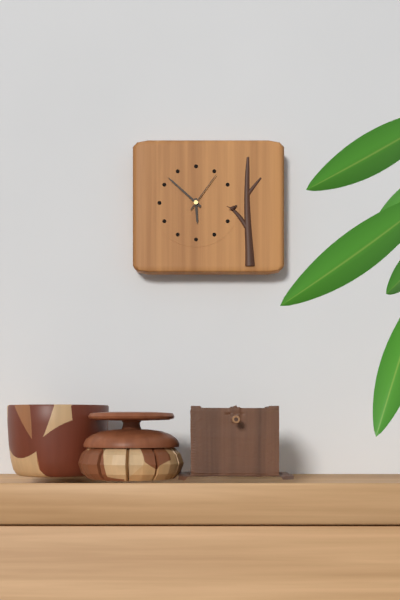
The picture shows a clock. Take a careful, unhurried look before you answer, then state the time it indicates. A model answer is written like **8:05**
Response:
**5:52**
